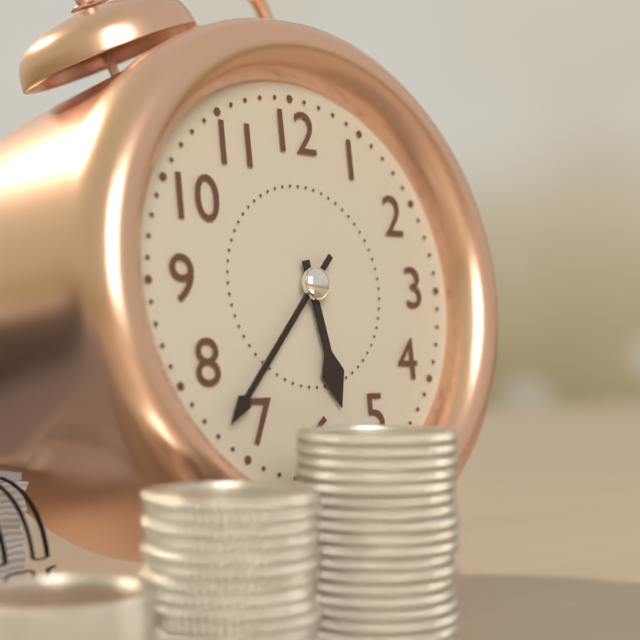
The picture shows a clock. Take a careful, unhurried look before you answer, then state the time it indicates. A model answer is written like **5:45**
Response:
**5:37**
